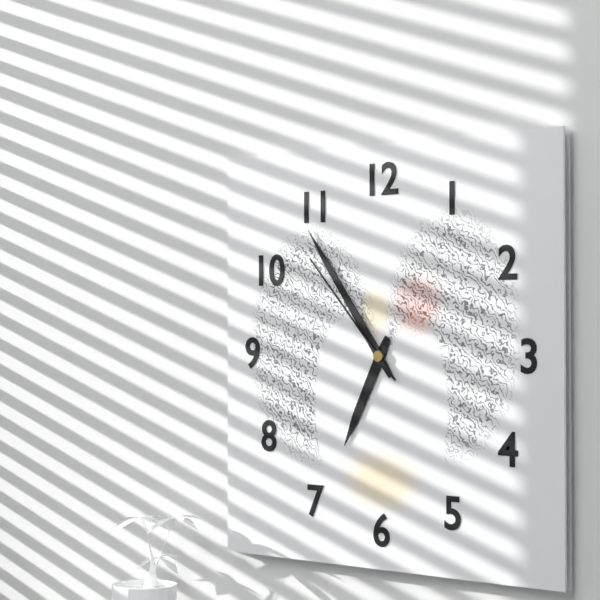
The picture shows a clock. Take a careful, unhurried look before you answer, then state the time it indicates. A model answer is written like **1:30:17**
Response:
**6:54:53**
